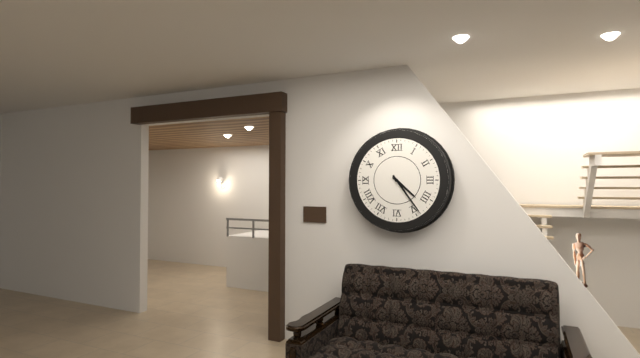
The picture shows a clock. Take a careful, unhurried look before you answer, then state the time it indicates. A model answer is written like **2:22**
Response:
**4:24**
